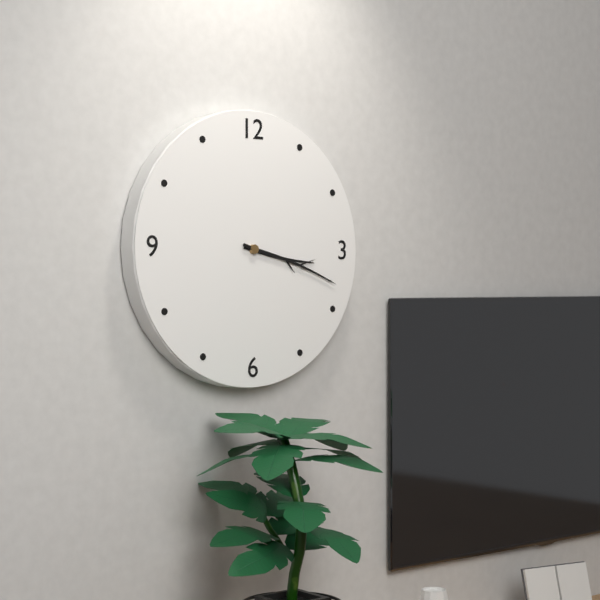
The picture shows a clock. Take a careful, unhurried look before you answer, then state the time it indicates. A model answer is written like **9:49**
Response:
**3:18**
